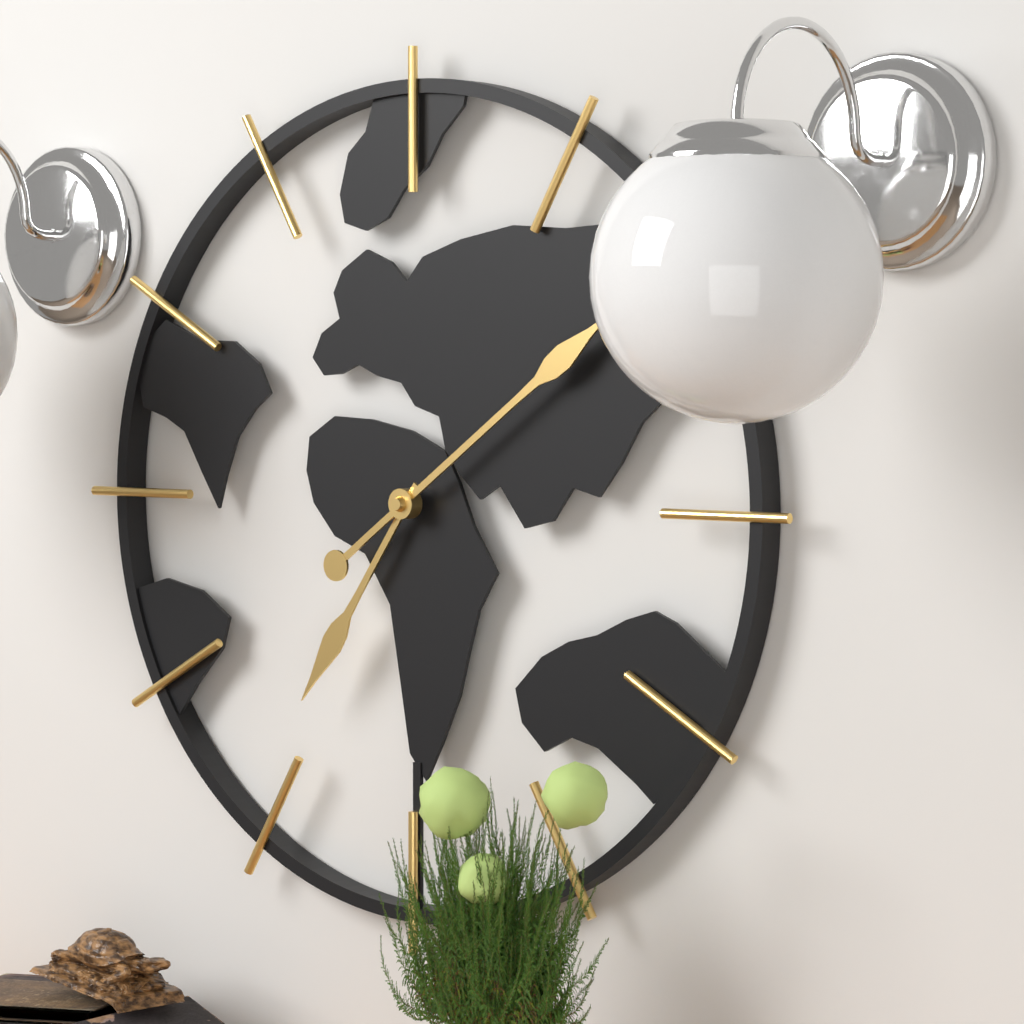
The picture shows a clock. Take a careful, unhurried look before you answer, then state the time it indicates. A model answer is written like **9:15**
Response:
**7:09**
